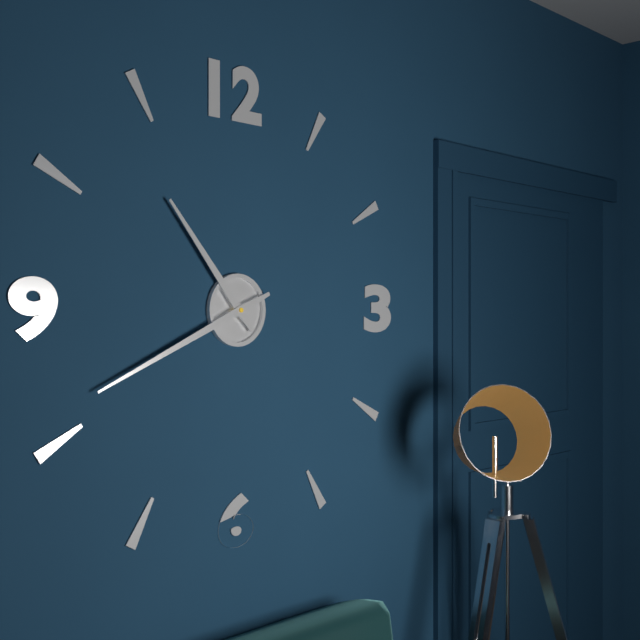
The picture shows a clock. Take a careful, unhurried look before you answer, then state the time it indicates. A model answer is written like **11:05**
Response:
**10:41**
